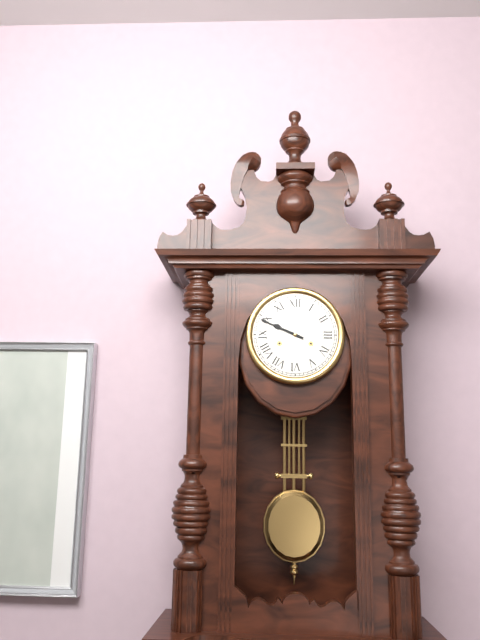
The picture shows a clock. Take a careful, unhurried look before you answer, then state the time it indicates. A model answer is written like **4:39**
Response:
**9:49**
